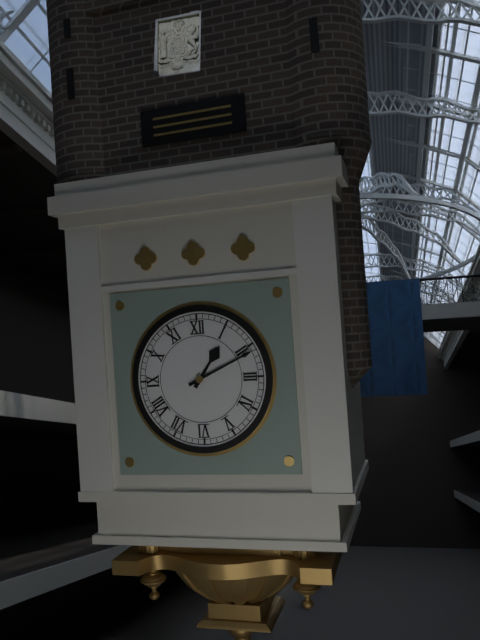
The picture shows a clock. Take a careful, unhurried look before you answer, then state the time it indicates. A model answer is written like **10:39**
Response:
**1:11**
